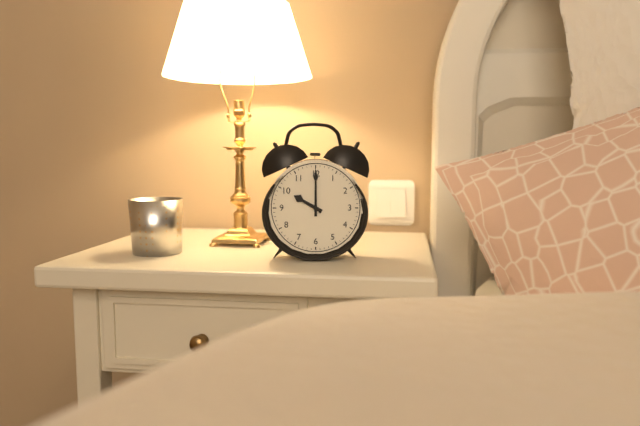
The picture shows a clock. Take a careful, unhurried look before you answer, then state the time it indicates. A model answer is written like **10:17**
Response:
**10:00**
